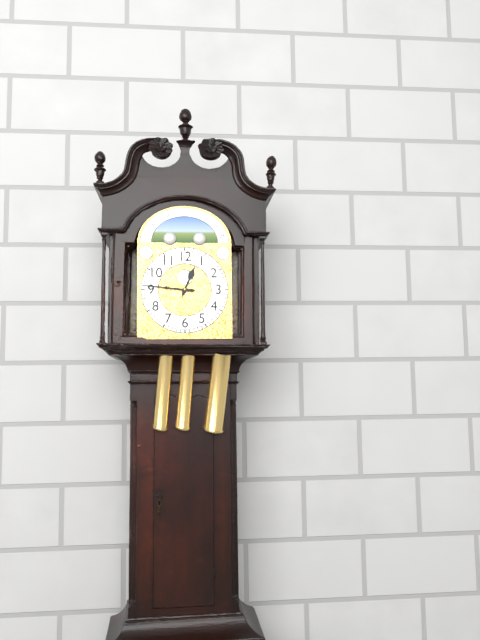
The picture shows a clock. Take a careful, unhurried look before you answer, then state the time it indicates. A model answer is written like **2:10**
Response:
**12:46**
